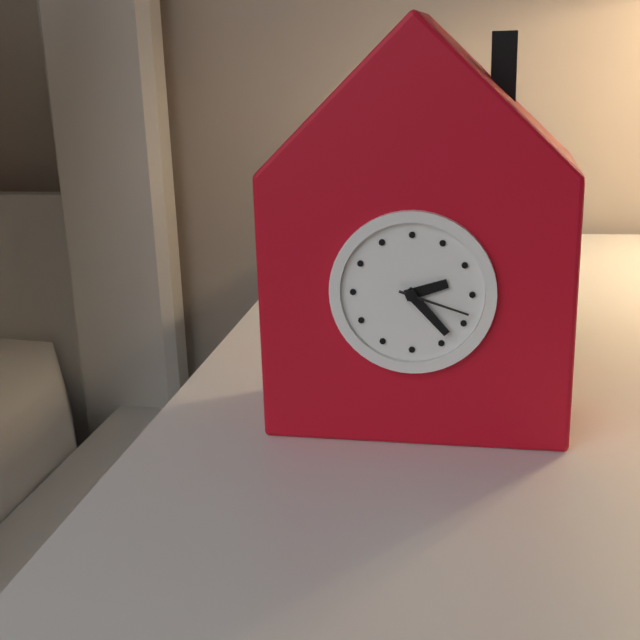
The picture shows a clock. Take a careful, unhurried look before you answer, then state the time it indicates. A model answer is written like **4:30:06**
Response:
**2:23:18**
